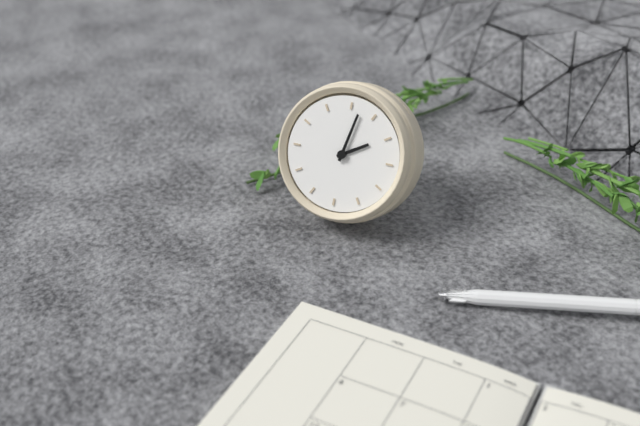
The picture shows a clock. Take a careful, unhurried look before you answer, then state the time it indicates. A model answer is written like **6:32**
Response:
**12:57**
